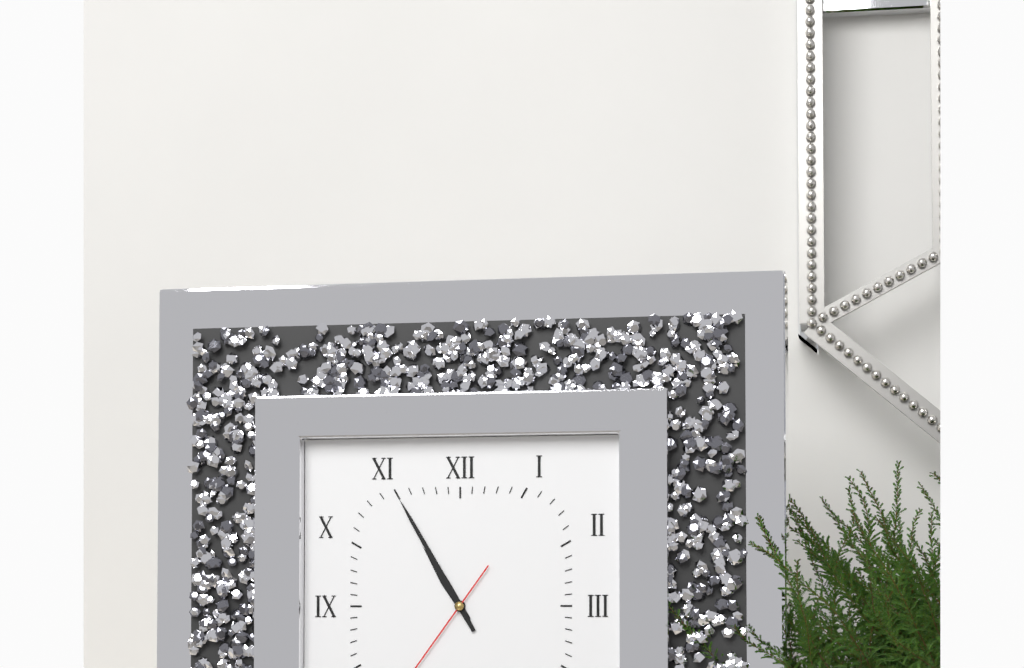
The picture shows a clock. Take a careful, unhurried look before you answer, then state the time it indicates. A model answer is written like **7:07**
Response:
**10:55**
